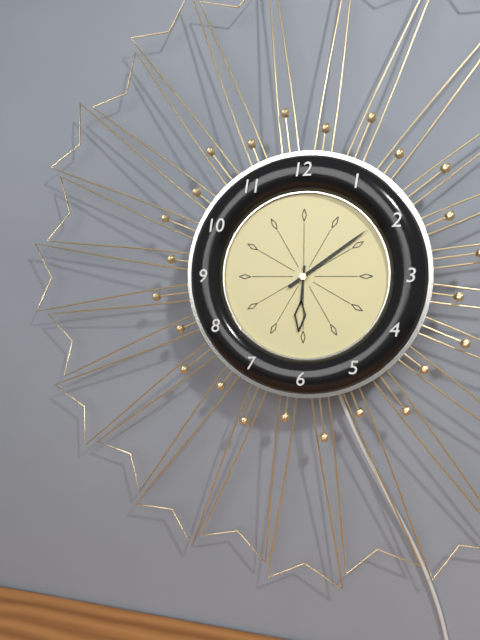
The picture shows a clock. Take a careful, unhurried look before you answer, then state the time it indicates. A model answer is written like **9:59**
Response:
**6:09**
